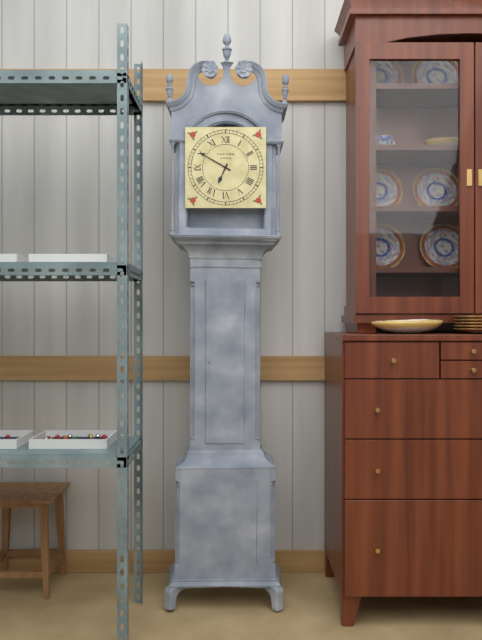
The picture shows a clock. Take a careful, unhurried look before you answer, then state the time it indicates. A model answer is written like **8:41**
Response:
**6:50**
